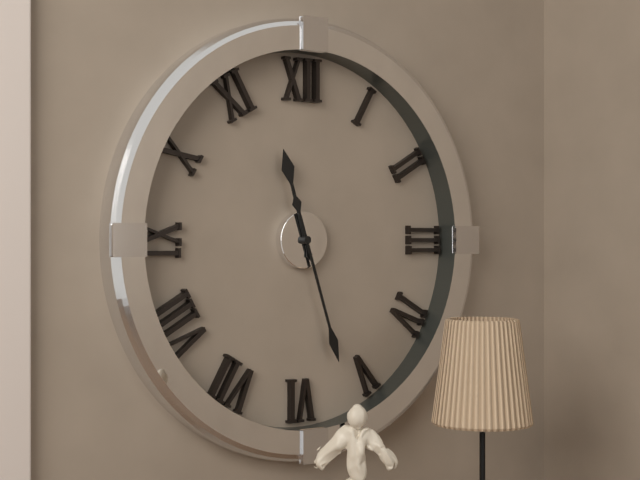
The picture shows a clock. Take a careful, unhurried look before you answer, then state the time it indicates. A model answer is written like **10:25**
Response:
**11:27**
